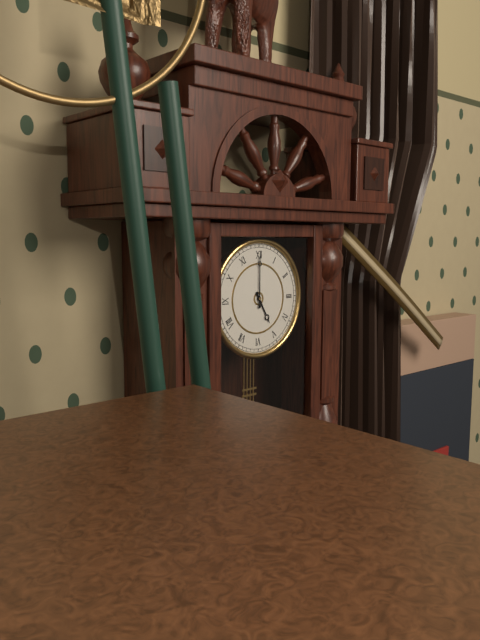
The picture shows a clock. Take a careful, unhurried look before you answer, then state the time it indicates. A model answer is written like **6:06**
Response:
**5:00**
